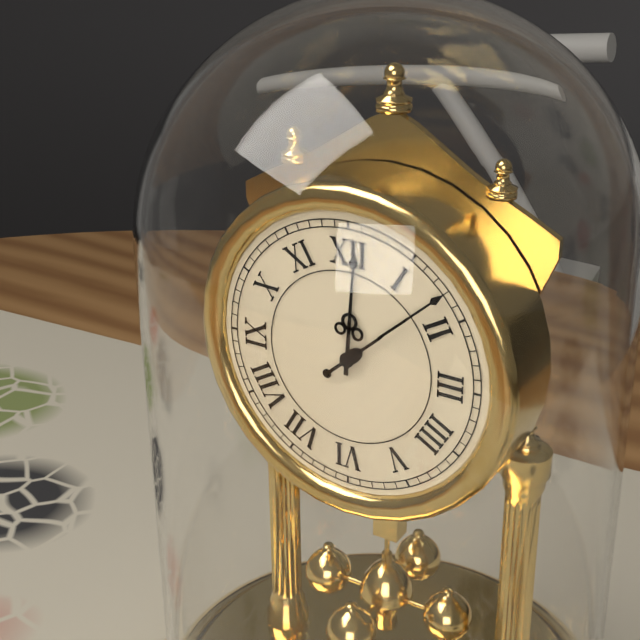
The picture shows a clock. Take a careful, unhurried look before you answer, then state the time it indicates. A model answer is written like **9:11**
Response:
**12:08**
